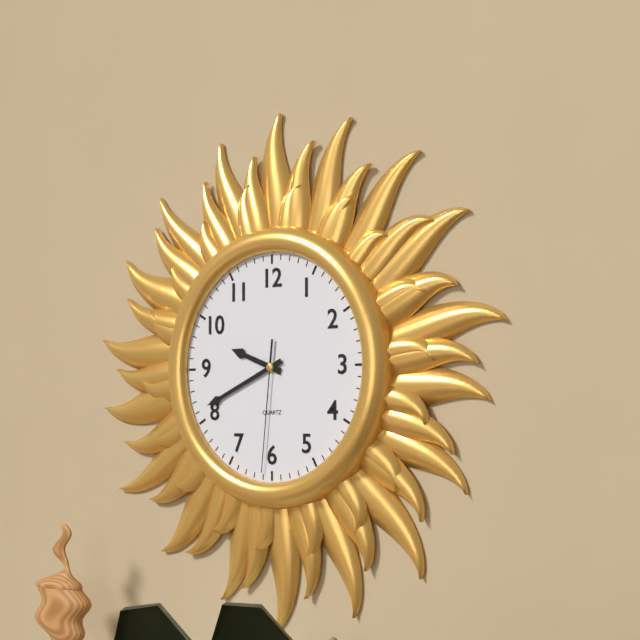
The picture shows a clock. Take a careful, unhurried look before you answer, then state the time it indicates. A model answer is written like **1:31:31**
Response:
**9:41:31**
